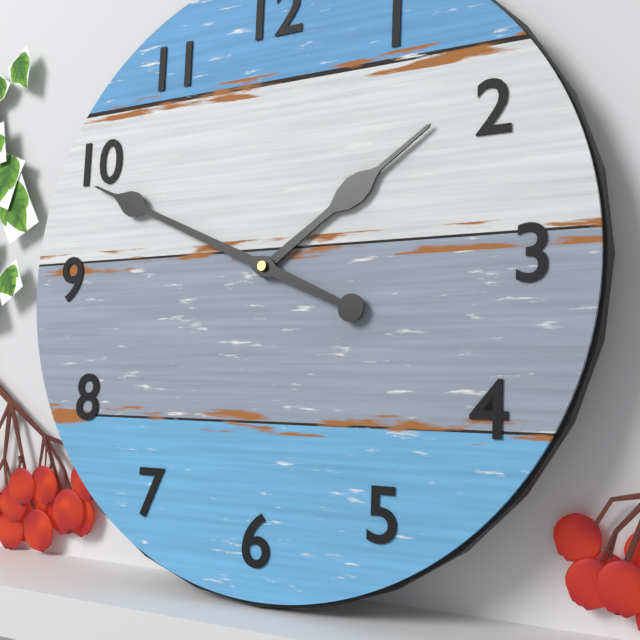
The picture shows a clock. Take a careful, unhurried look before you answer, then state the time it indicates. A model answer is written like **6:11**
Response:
**1:49**
